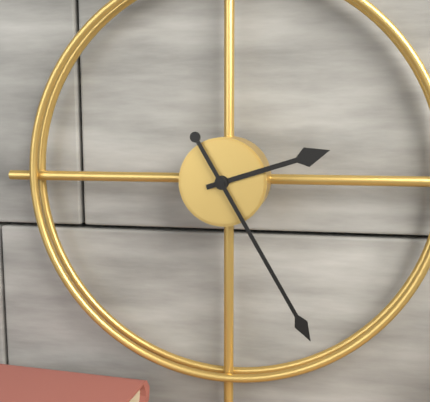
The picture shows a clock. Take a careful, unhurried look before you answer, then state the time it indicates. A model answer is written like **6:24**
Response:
**2:25**
